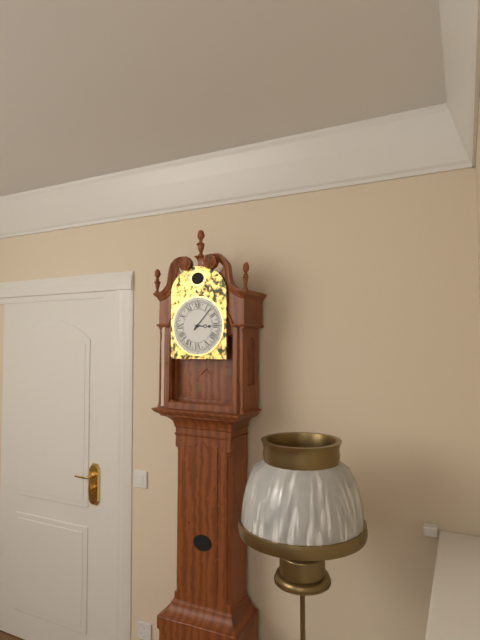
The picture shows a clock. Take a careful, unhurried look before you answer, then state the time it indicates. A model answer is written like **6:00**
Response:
**3:07**
